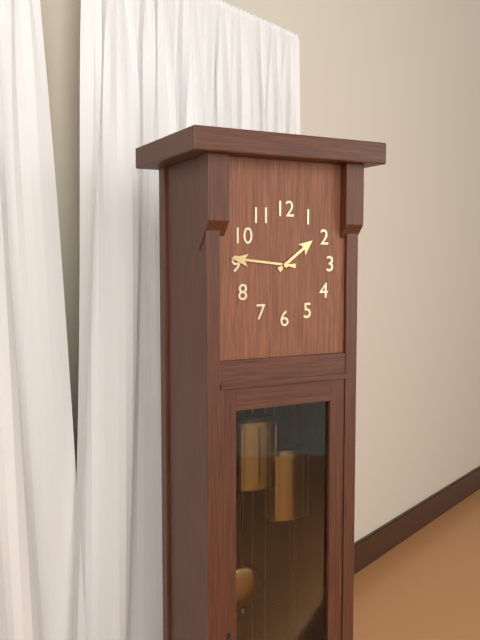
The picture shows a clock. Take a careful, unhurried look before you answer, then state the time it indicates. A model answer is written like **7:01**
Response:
**1:46**
